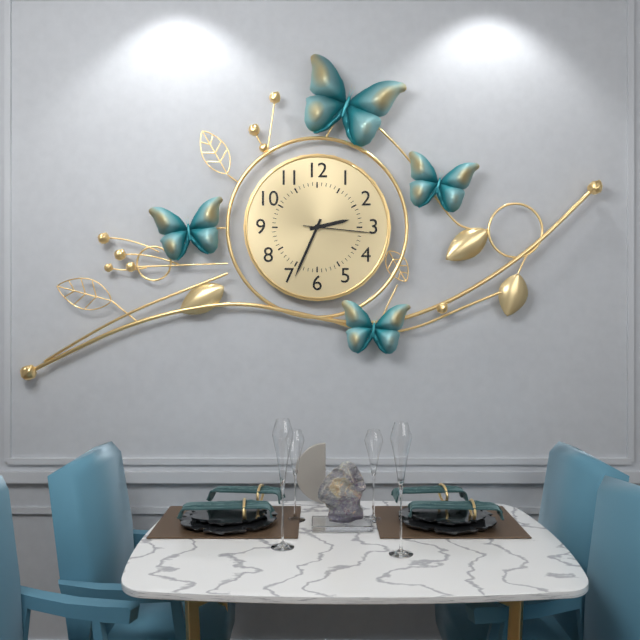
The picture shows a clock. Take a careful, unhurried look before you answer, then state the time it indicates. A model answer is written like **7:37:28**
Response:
**2:34:16**
